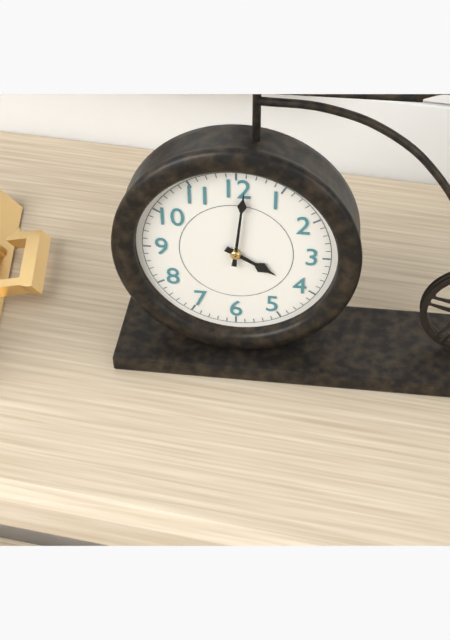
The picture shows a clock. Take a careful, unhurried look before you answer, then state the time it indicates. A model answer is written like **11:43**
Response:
**4:01**
